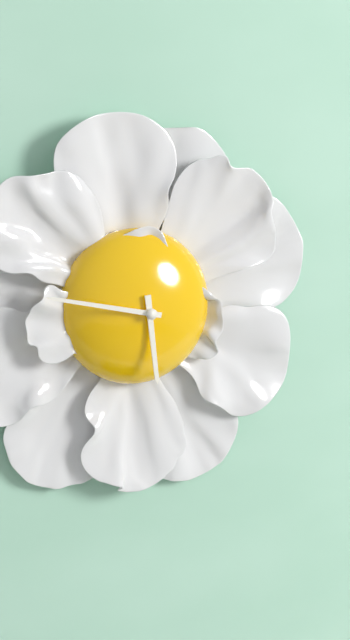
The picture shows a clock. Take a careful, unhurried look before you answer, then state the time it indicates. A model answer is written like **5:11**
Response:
**5:47**
